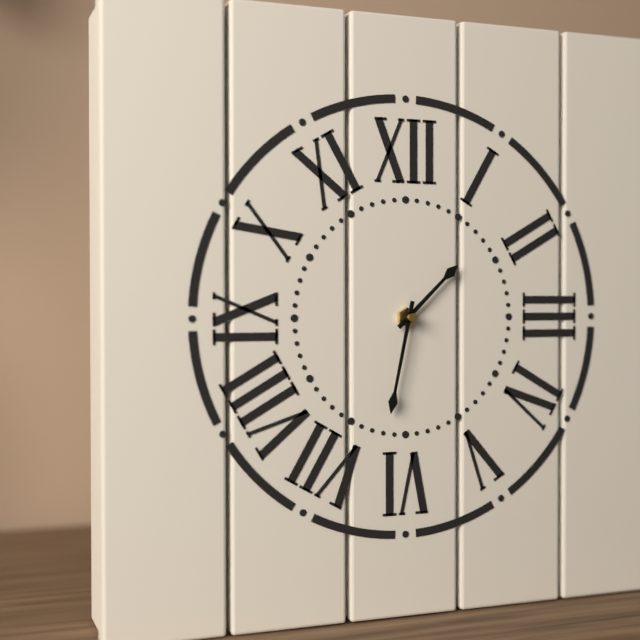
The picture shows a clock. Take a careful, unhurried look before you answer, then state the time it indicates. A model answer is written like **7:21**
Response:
**1:32**
